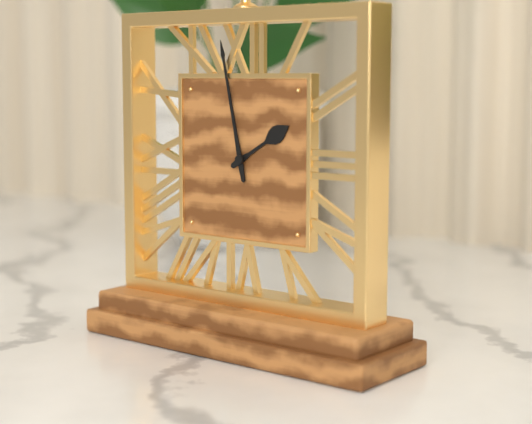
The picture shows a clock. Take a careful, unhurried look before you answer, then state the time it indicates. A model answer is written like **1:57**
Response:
**1:58**
